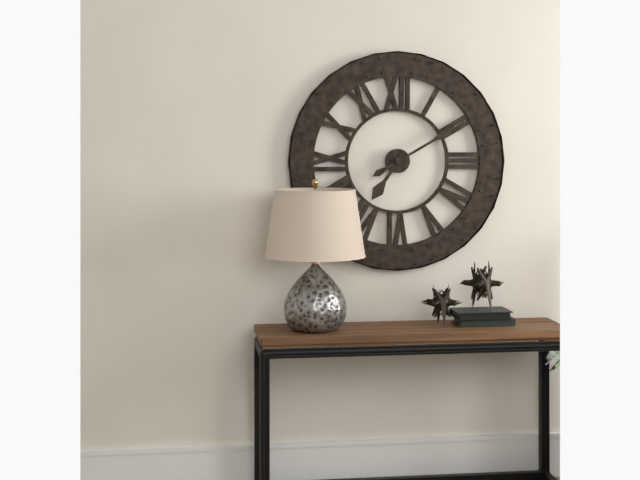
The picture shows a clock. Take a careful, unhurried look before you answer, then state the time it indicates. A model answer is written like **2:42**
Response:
**7:10**
